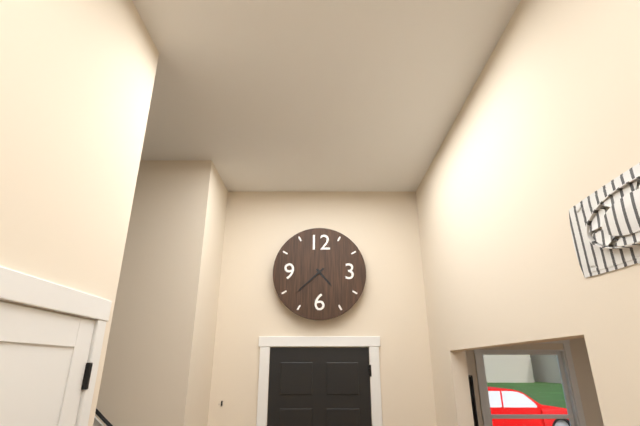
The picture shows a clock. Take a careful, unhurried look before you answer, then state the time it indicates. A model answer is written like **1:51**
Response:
**4:38**
